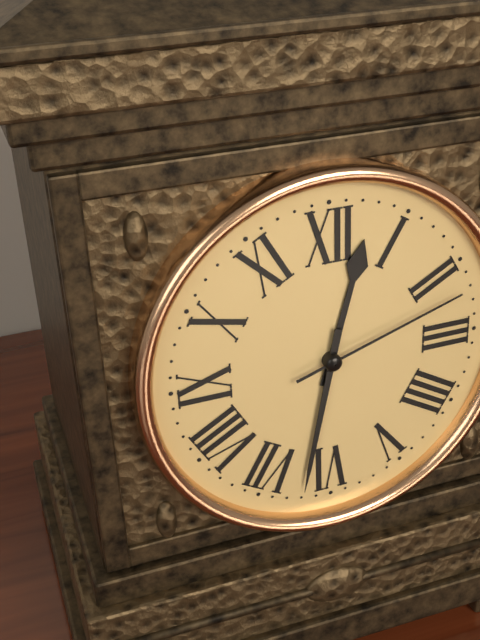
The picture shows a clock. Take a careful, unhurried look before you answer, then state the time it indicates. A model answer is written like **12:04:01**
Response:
**12:32:12**
